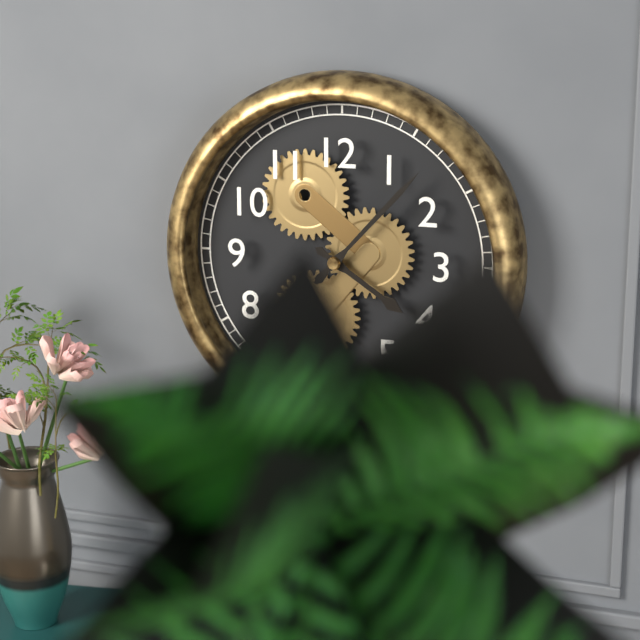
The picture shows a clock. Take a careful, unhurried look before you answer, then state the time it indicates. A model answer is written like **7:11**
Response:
**4:07**
